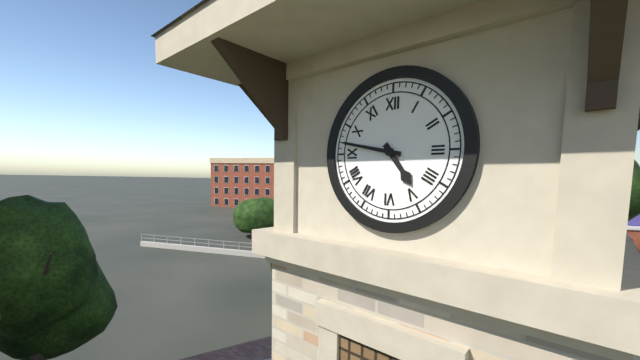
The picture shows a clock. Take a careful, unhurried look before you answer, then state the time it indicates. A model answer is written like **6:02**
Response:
**4:47**
